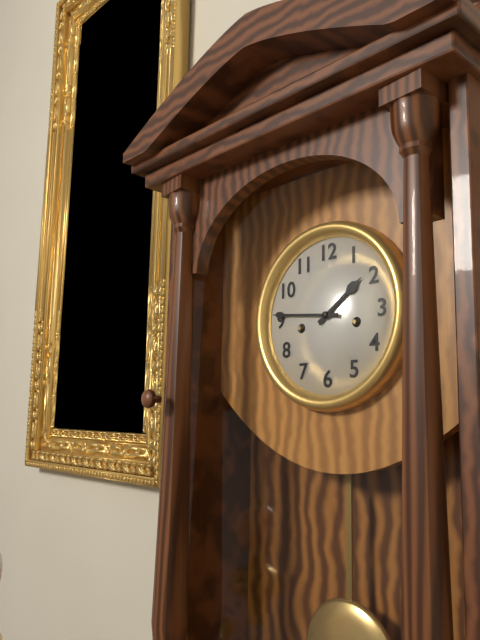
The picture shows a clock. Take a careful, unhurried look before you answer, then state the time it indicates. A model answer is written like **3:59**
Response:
**1:46**
